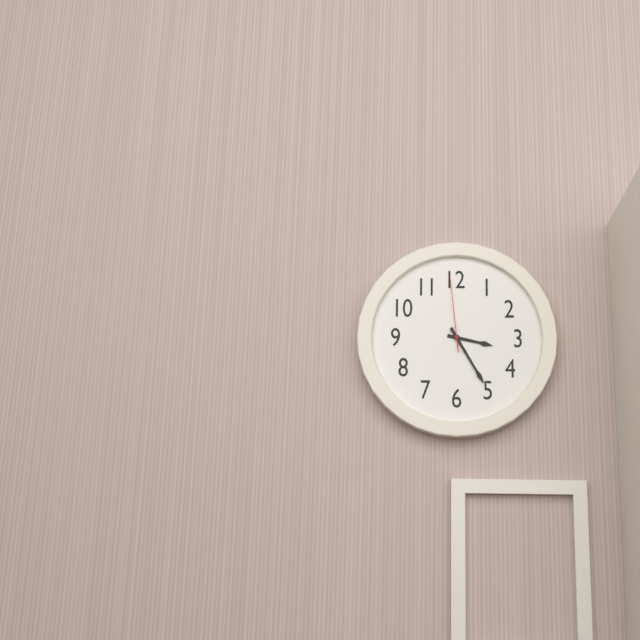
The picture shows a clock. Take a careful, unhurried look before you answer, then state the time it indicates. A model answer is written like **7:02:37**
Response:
**3:25:59**
